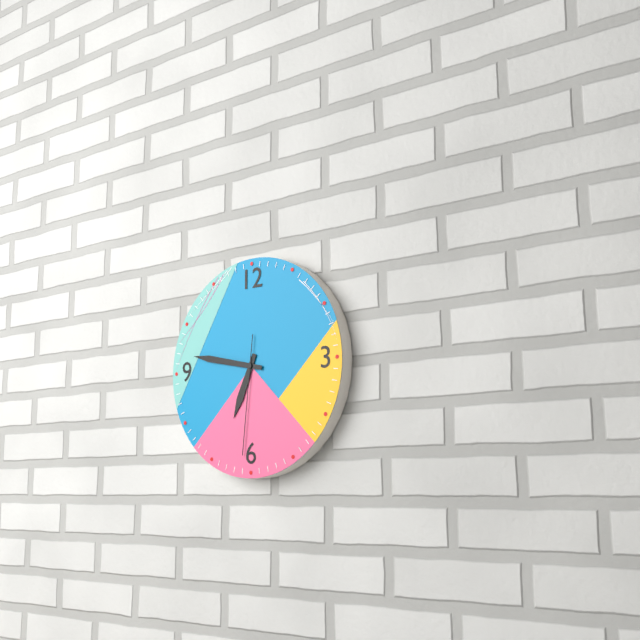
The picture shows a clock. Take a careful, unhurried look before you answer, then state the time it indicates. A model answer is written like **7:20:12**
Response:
**6:47:31**
